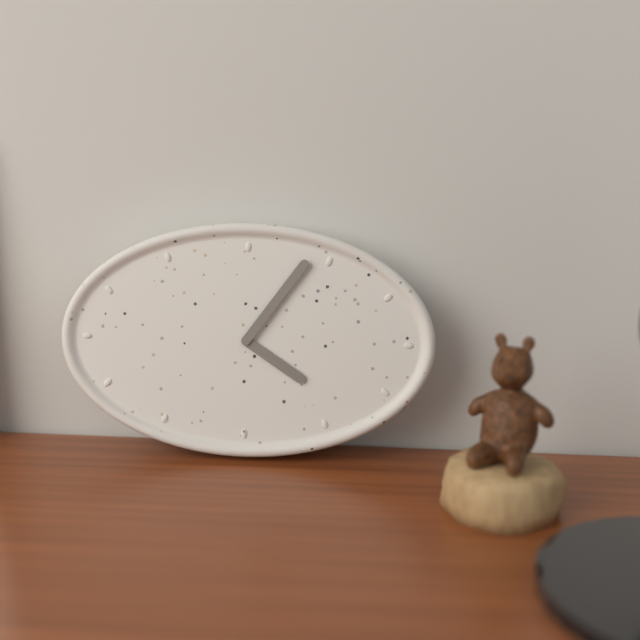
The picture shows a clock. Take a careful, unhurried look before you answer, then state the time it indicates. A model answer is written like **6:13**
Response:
**4:06**
